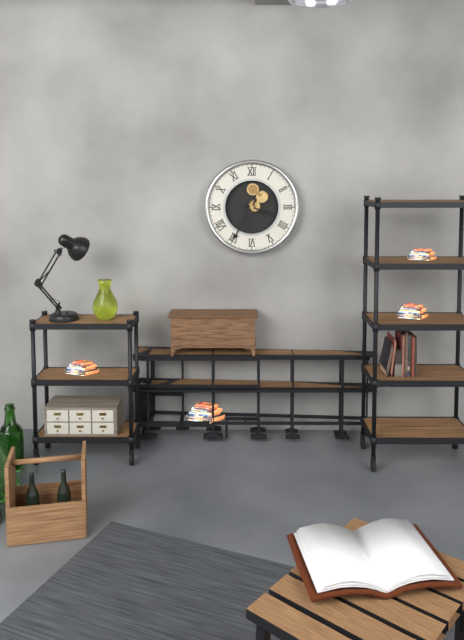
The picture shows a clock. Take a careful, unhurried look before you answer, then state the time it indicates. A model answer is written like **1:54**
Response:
**3:35**
